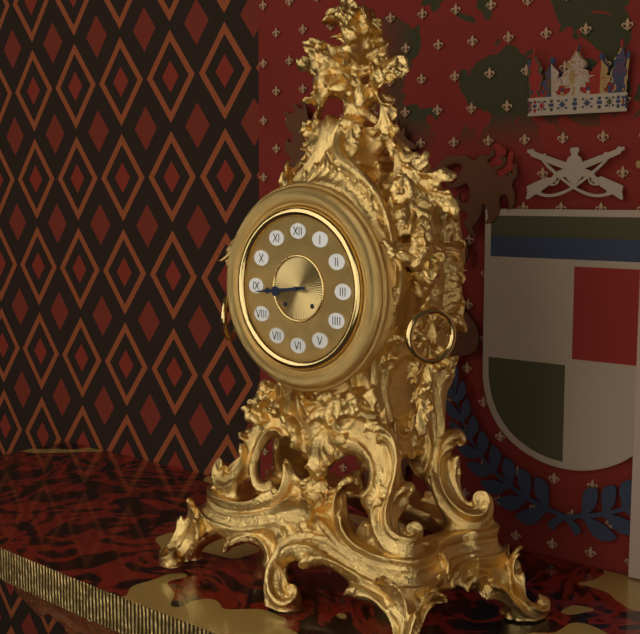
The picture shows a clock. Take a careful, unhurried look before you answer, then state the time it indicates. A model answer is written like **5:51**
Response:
**8:44**
